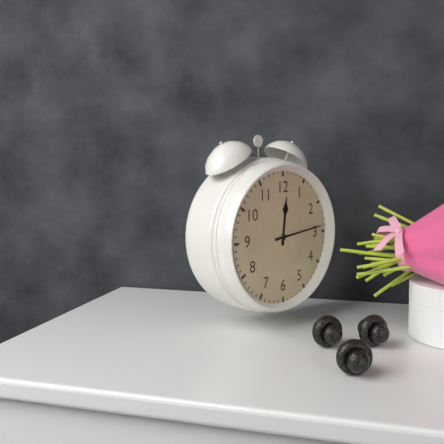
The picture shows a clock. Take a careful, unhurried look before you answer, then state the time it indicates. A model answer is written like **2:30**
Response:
**12:14**
